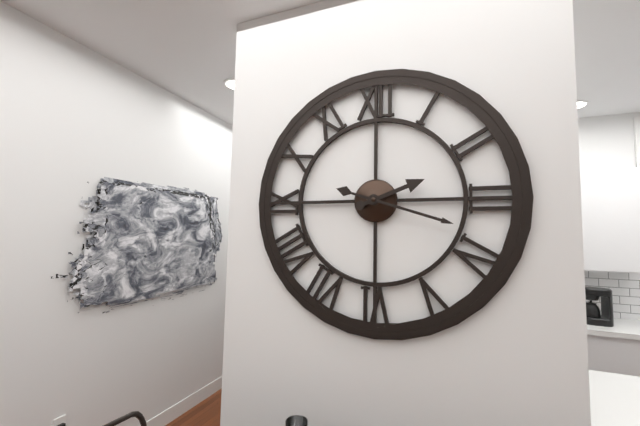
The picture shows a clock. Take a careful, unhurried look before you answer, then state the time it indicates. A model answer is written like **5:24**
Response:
**2:18**
